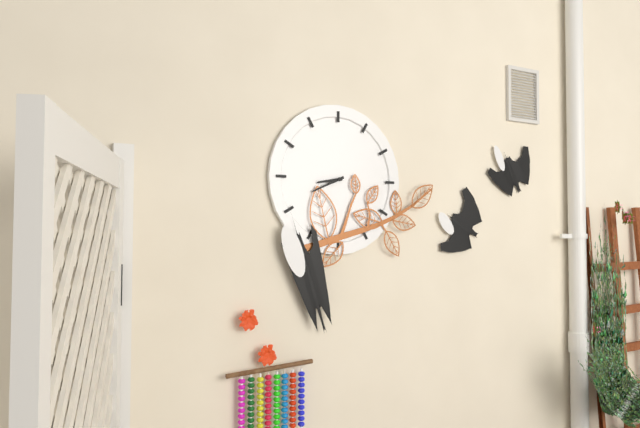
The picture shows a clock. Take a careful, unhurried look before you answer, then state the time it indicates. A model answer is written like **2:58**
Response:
**8:41**
